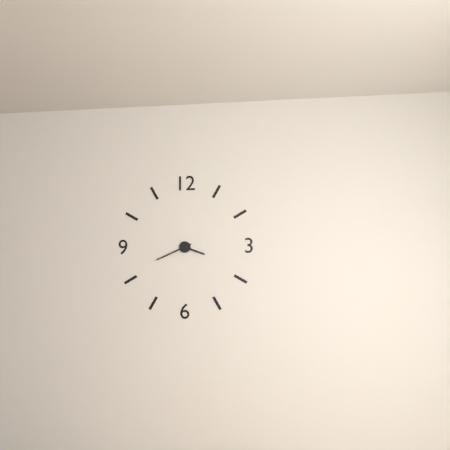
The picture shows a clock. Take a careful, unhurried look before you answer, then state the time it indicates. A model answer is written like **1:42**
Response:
**3:41**
